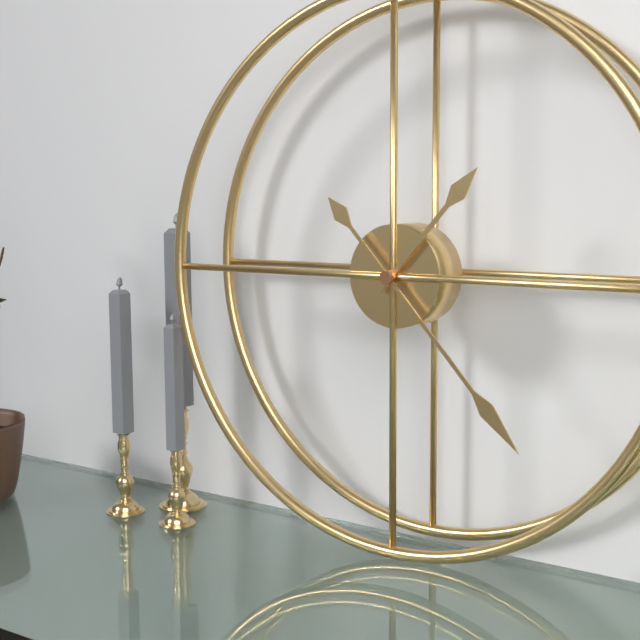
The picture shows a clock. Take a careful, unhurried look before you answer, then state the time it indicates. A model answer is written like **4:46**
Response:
**1:23**
